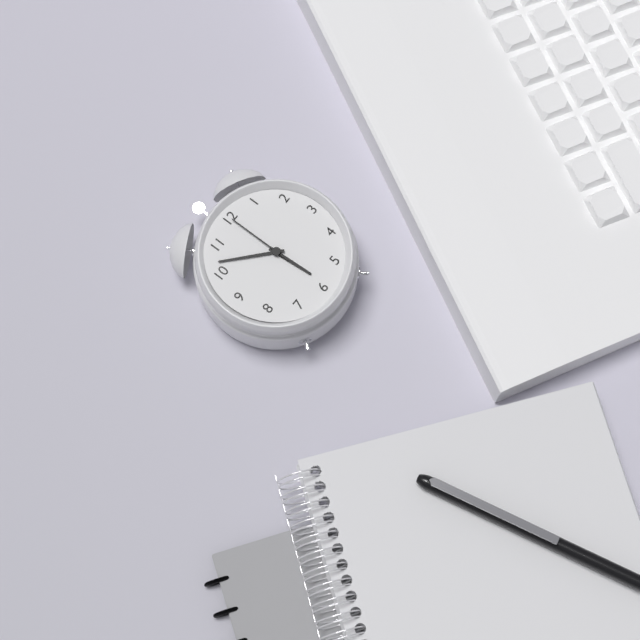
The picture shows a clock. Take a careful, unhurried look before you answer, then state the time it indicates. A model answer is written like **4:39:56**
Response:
**5:52:00**
